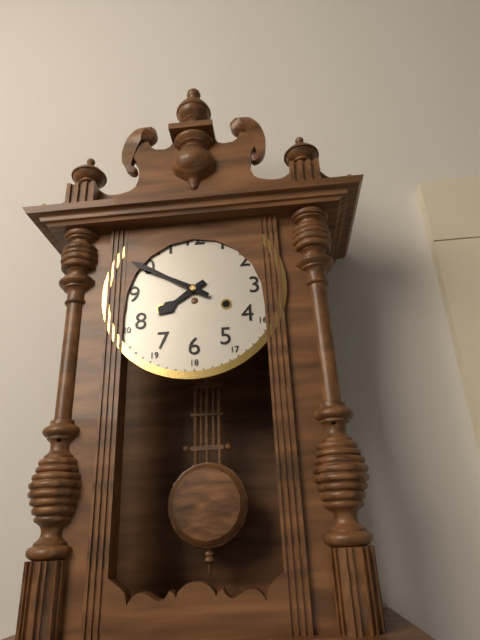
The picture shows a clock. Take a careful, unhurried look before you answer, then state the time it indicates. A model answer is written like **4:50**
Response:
**7:50**
